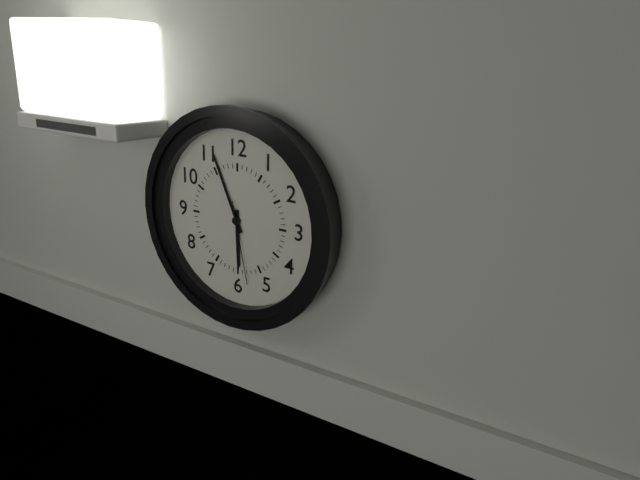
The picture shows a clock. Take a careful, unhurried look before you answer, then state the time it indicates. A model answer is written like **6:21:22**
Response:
**5:56:28**
